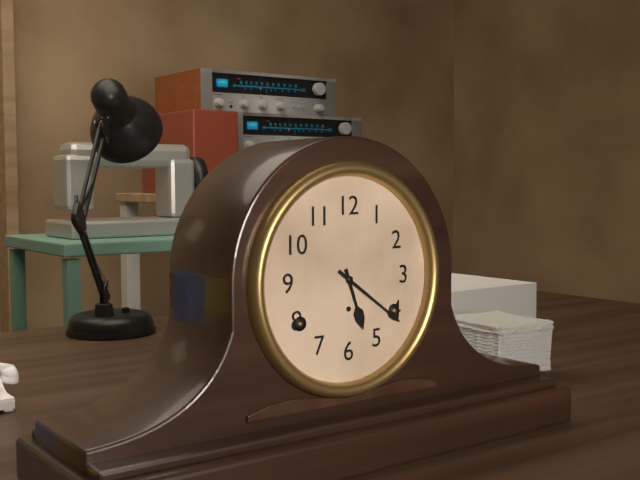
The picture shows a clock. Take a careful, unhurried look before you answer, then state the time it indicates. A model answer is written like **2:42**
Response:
**5:21**
